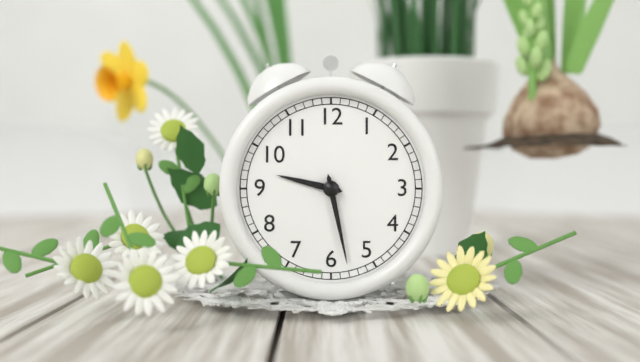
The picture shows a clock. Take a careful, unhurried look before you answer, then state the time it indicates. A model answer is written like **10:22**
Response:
**9:28**
